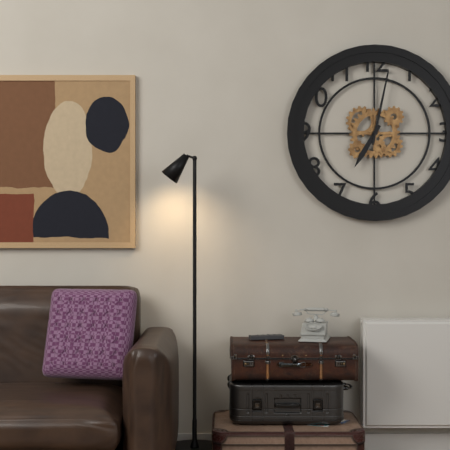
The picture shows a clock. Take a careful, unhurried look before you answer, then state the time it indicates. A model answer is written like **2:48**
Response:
**7:02**
